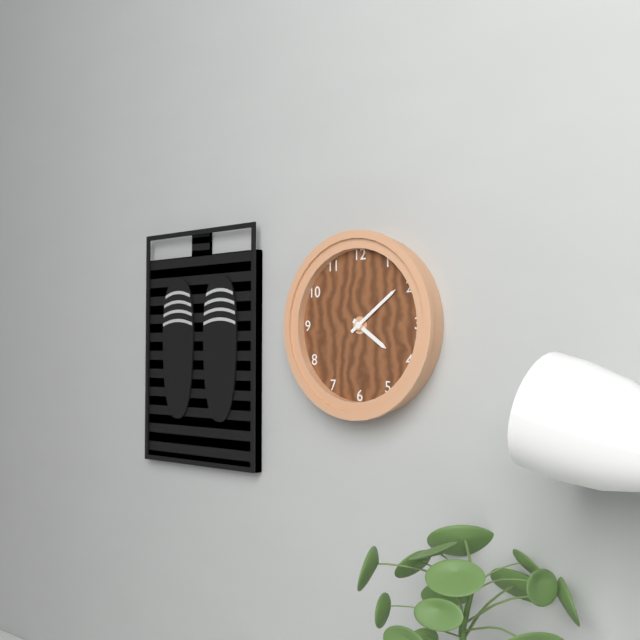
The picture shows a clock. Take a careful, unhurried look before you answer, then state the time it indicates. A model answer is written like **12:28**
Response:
**4:09**
